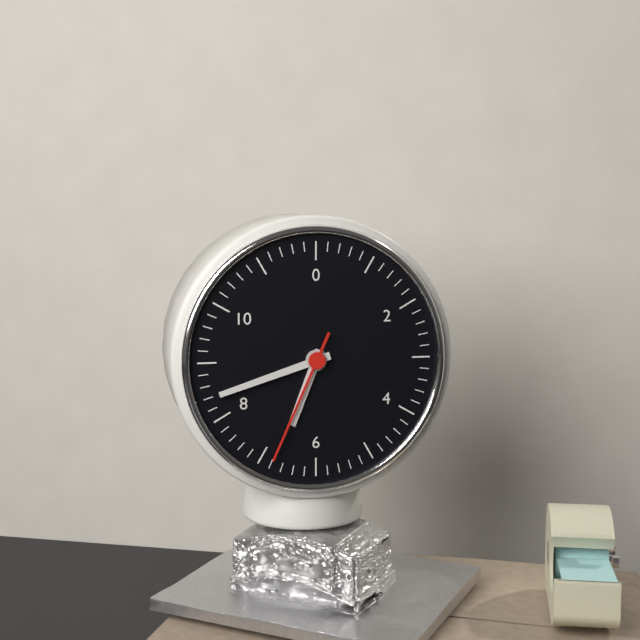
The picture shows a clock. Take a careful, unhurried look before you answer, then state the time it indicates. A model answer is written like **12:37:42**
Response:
**6:42:34**
